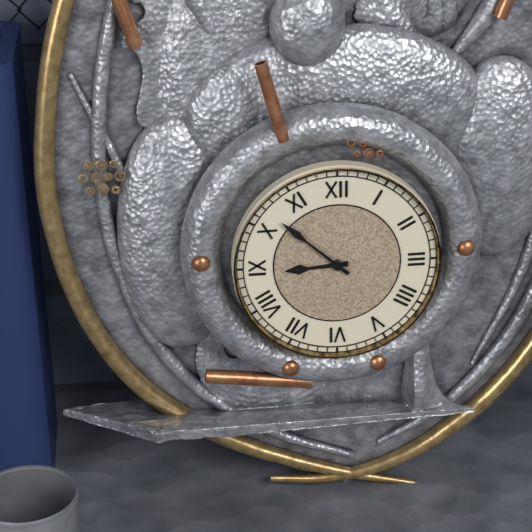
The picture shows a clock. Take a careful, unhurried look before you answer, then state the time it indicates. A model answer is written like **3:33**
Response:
**8:52**
